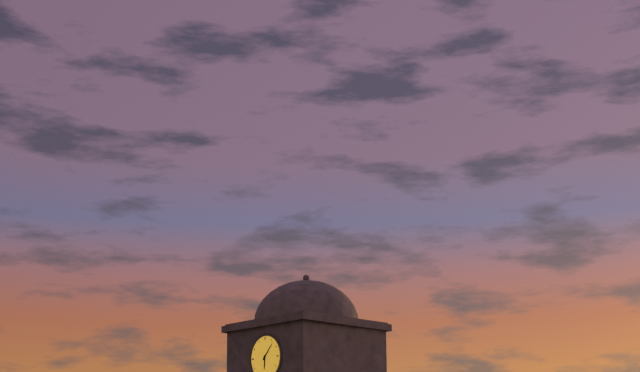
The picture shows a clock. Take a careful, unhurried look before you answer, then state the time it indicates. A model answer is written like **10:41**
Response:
**6:07**
